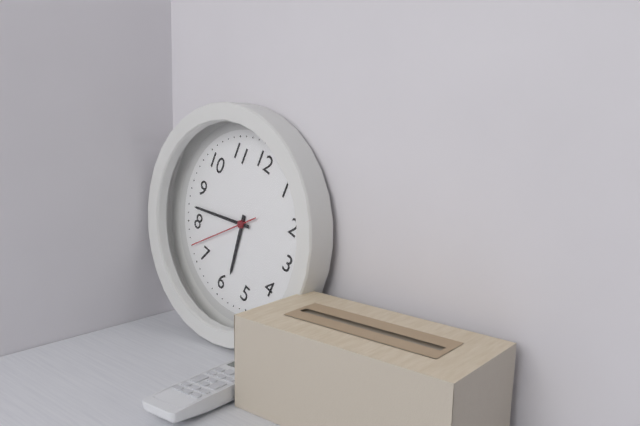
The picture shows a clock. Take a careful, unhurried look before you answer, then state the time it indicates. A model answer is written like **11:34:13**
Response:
**5:42:37**
